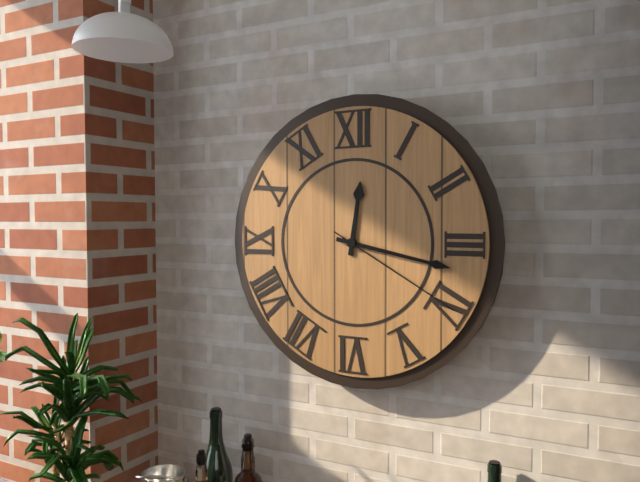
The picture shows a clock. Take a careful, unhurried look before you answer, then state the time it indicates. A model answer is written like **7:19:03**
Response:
**12:17:20**
